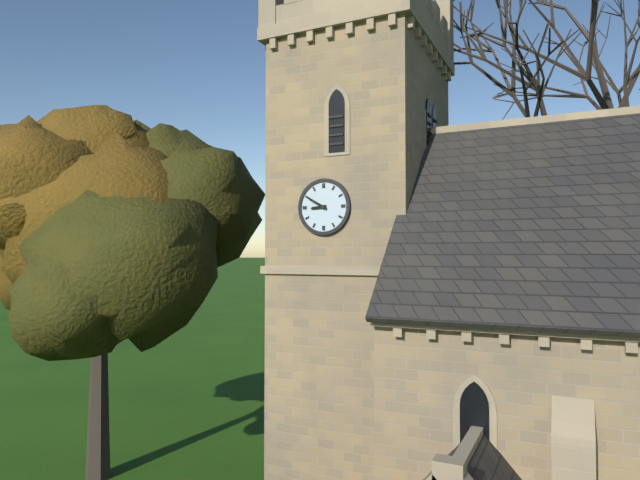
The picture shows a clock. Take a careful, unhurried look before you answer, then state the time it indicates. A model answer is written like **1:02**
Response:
**8:50**
